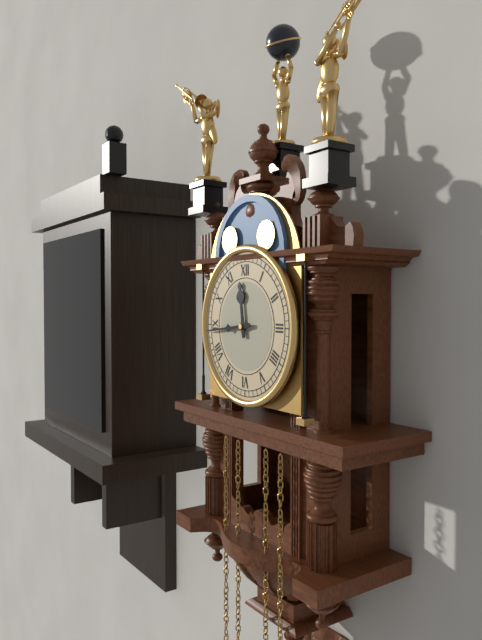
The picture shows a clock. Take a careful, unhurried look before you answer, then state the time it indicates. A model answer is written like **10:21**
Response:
**11:44**
